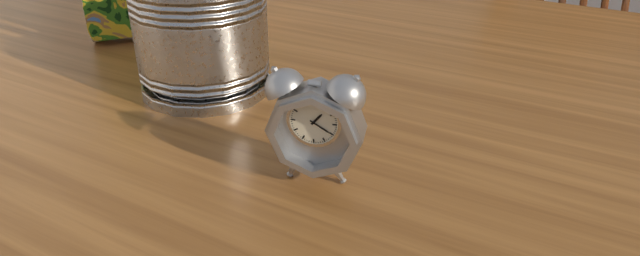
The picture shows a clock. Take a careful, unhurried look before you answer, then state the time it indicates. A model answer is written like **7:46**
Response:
**1:20**
